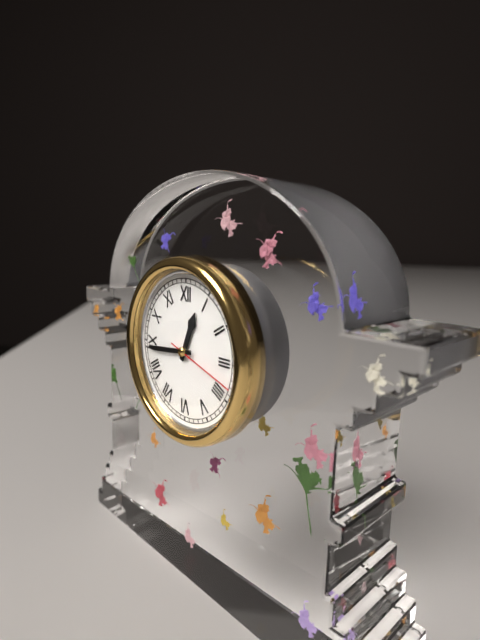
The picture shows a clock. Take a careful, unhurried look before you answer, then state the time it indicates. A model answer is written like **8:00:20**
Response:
**12:44:18**
